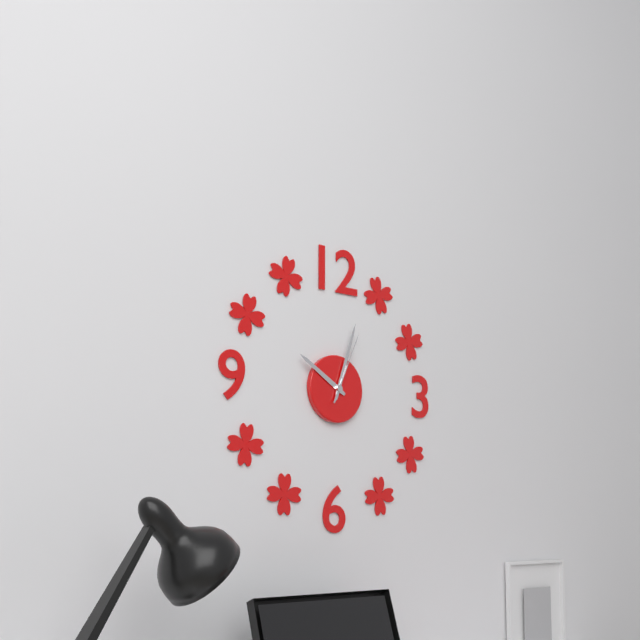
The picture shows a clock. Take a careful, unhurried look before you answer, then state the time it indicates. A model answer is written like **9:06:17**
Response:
**10:03:04**
